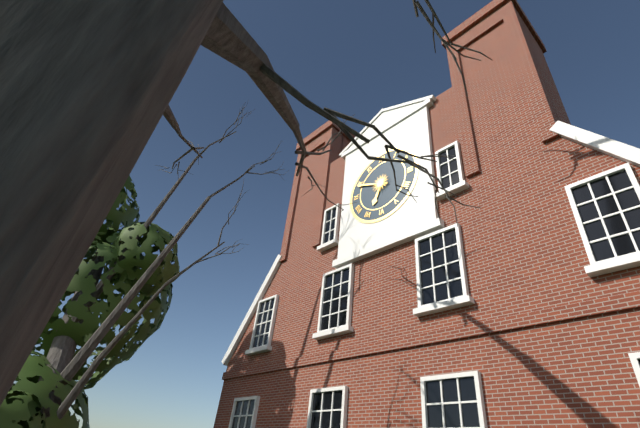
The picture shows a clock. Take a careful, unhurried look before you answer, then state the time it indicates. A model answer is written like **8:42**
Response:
**6:49**
